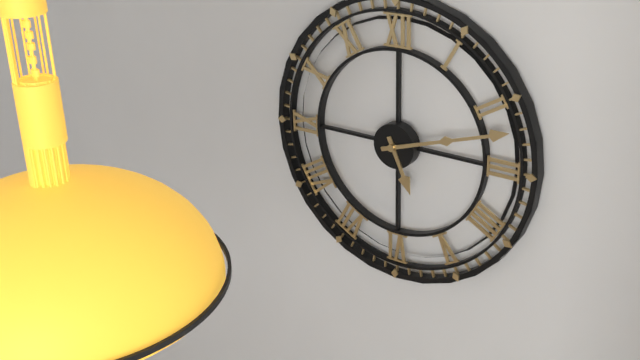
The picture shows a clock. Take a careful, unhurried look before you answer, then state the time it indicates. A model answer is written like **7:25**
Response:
**5:12**
